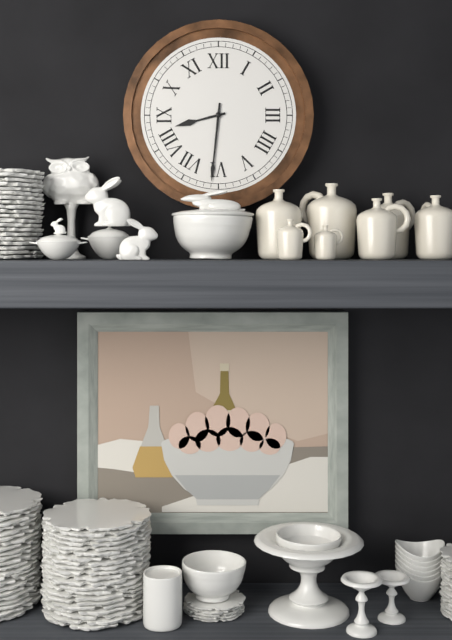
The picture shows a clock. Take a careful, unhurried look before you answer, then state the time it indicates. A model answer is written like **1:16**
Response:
**8:31**
